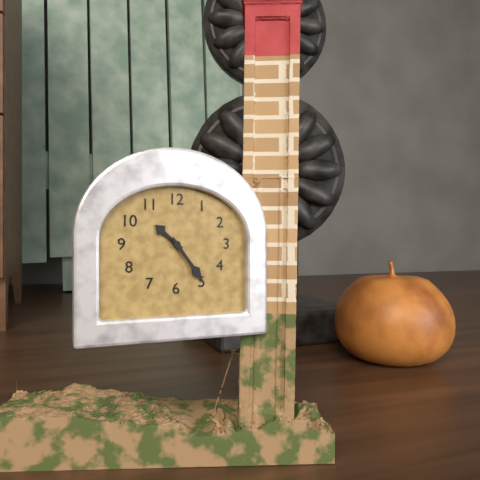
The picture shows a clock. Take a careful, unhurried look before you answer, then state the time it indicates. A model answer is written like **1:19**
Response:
**10:24**
